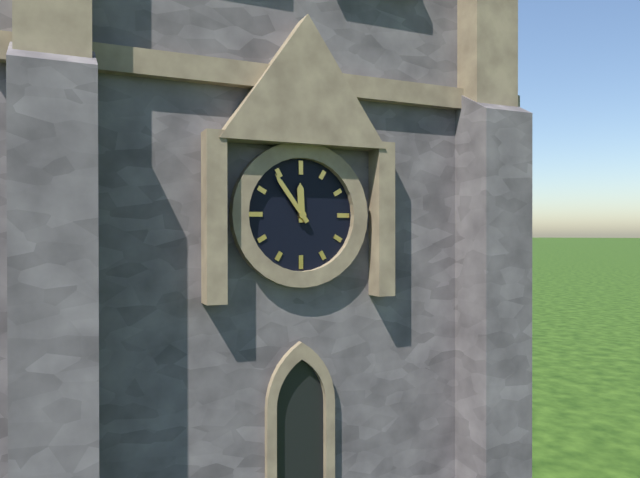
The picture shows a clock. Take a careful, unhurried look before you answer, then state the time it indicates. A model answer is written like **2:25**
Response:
**11:54**
